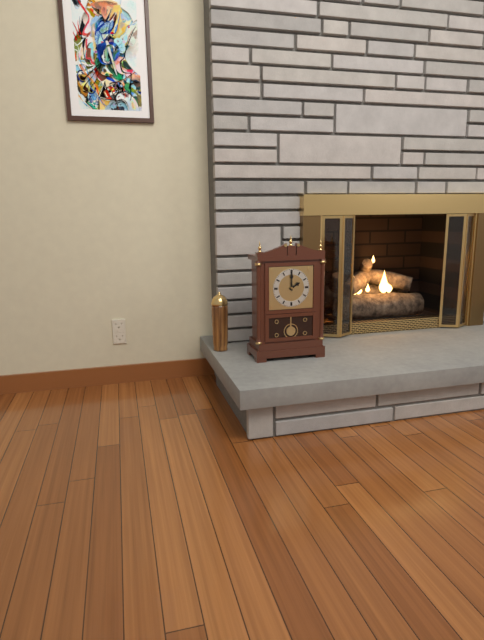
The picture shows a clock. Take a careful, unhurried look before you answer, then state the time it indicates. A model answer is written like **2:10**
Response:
**2:00**
